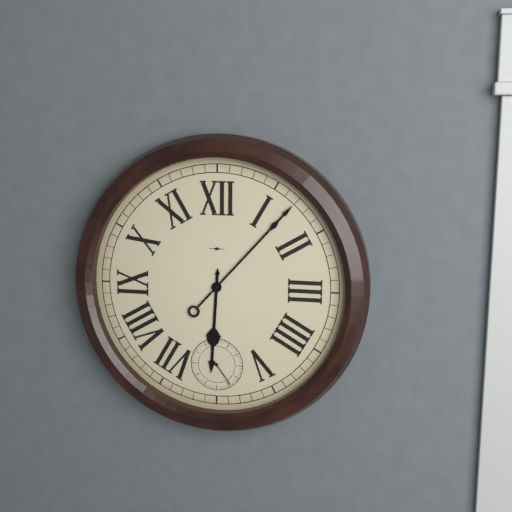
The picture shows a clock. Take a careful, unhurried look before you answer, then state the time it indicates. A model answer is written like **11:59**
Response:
**6:07**
